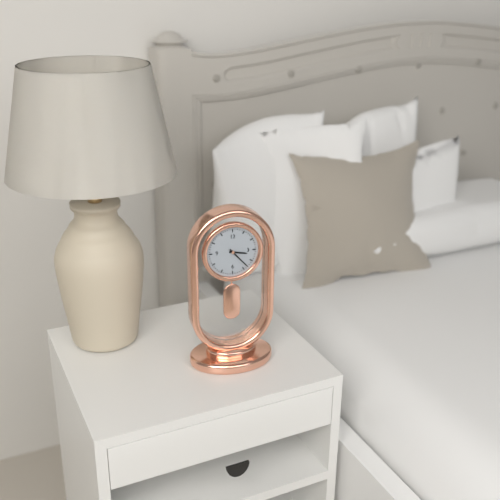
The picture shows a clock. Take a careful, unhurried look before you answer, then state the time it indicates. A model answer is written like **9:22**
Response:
**3:23**
